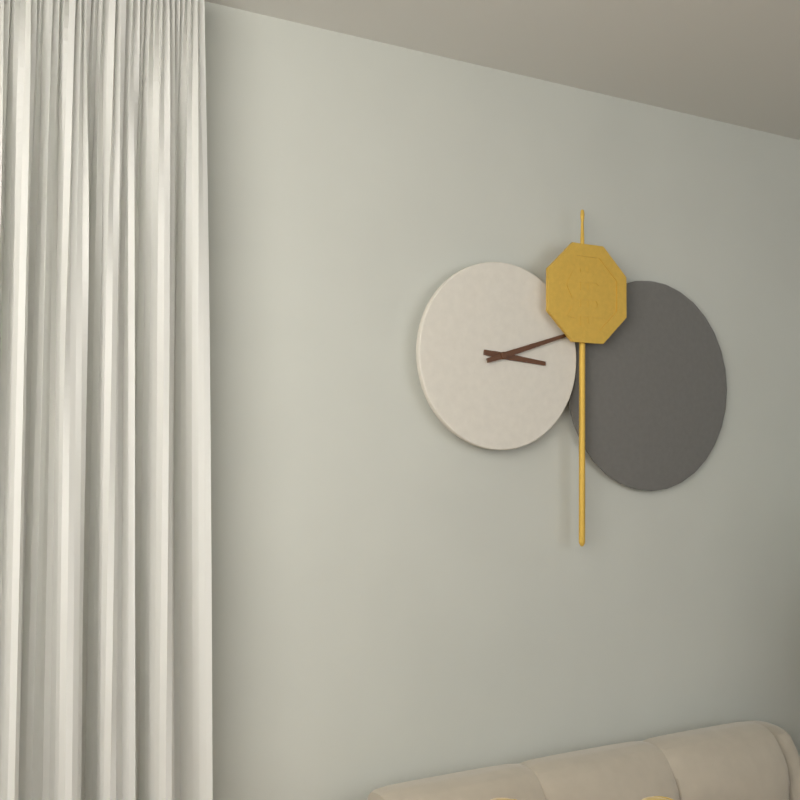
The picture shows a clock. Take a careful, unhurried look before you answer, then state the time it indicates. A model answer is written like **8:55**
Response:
**3:12**
